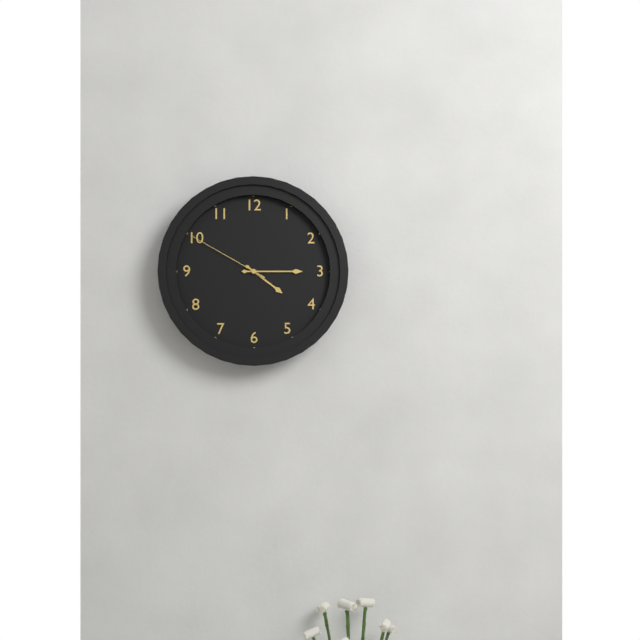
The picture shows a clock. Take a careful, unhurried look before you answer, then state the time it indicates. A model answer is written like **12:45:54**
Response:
**4:15:50**
